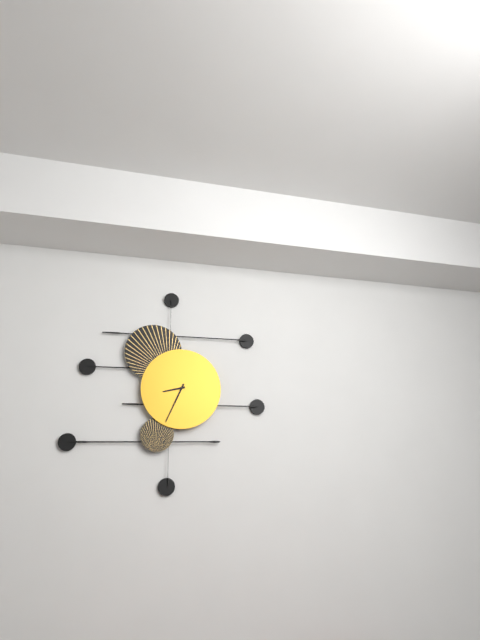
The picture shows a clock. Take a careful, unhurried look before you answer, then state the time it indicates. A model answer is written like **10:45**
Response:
**8:34**
